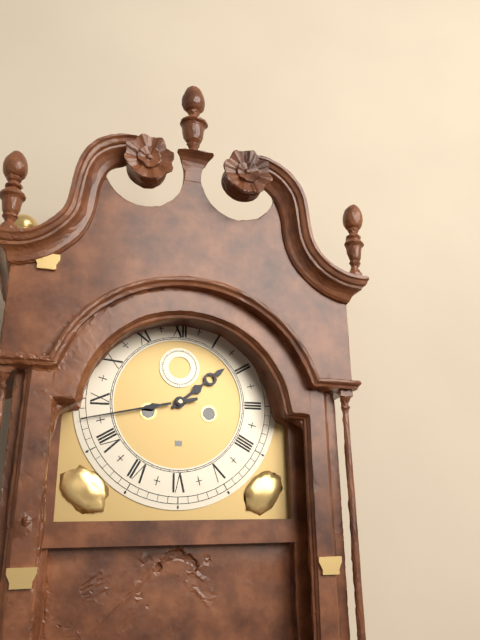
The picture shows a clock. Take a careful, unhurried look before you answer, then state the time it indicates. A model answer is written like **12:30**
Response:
**1:43**
